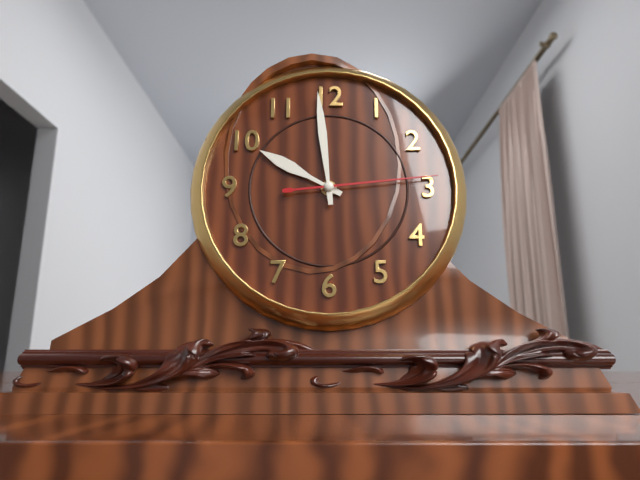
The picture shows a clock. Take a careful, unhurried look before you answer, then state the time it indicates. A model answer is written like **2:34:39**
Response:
**9:59:14**
